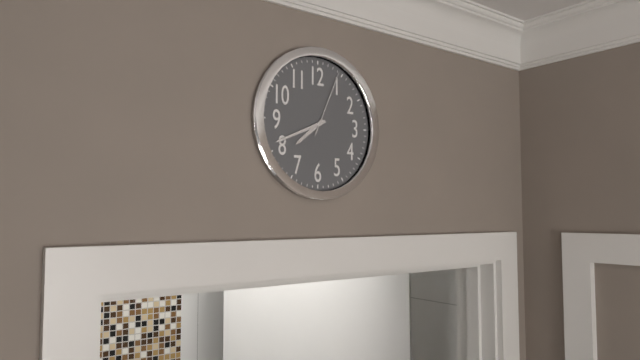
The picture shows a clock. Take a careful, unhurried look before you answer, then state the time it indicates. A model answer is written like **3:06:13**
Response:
**7:41:04**
